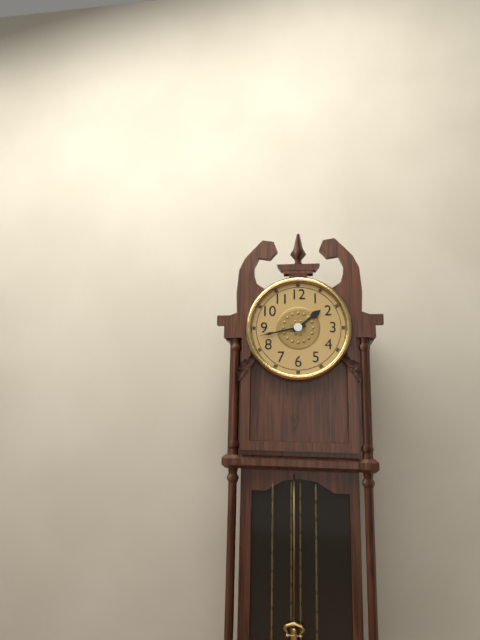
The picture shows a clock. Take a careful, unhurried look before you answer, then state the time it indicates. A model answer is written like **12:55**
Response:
**1:43**
